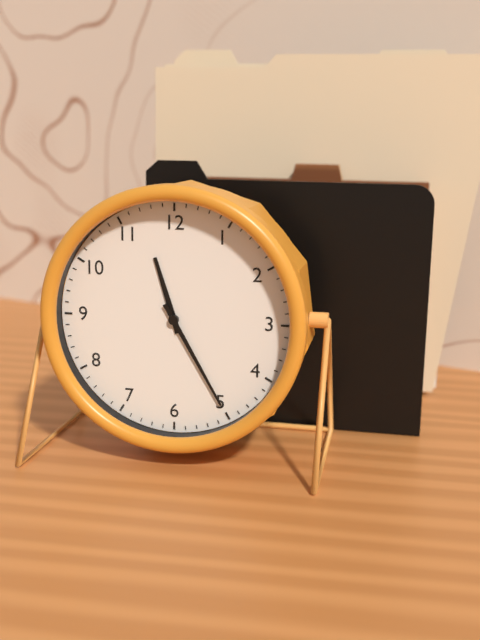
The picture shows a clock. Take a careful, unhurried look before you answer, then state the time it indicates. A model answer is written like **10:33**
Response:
**11:25**
